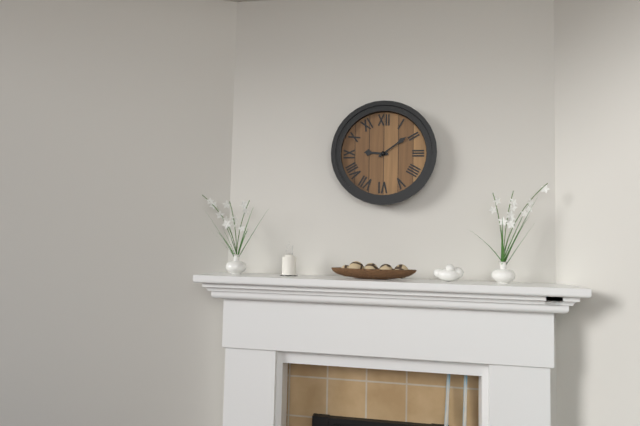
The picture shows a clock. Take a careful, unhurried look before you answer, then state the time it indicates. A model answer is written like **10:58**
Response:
**9:09**
